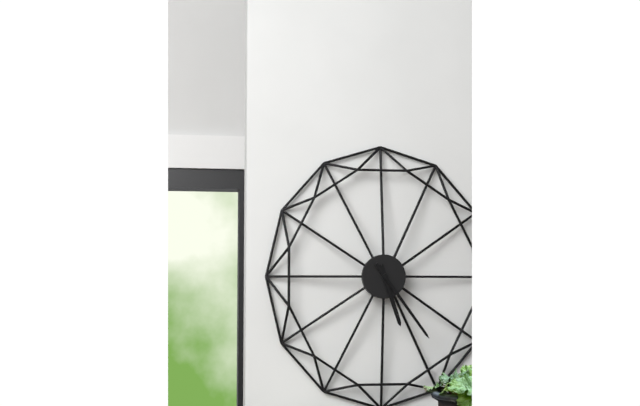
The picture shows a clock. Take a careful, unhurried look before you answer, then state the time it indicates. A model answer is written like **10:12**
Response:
**5:24**
